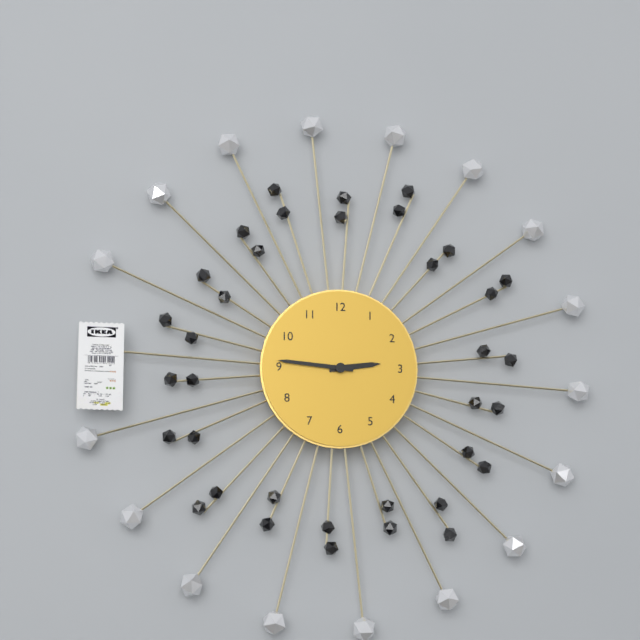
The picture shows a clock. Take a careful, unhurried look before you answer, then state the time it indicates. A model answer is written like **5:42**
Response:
**2:46**
